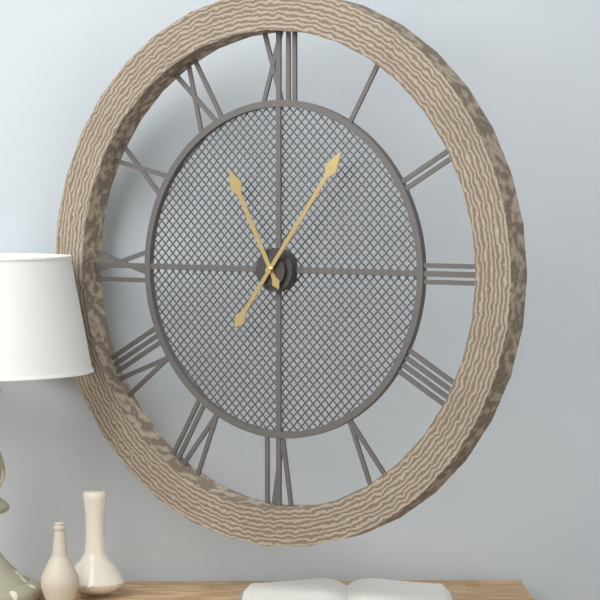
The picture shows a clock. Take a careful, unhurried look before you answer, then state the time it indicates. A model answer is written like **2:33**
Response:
**11:06**
